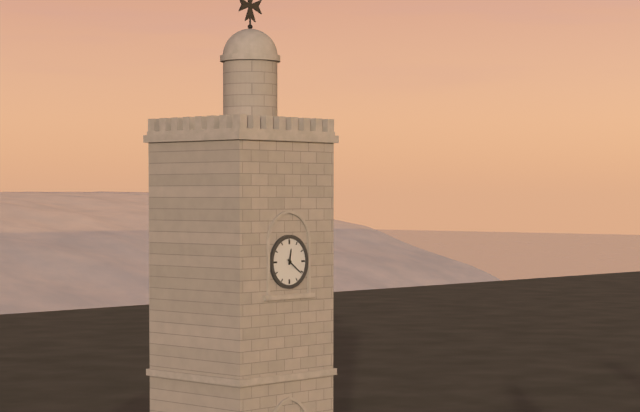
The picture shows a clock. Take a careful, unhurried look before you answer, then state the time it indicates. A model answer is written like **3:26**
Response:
**12:21**
